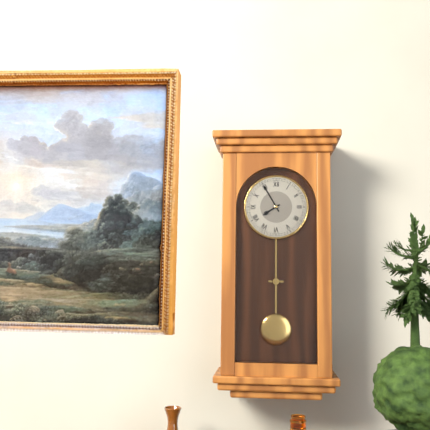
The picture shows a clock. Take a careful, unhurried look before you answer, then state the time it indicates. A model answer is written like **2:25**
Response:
**7:55**
